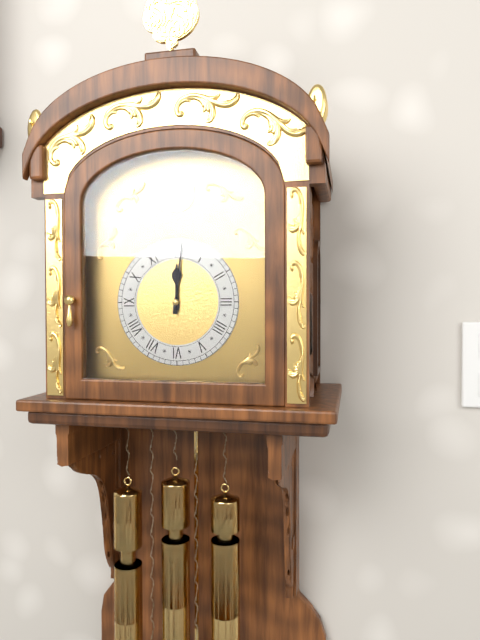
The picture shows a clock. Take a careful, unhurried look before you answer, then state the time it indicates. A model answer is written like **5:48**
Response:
**12:01**
